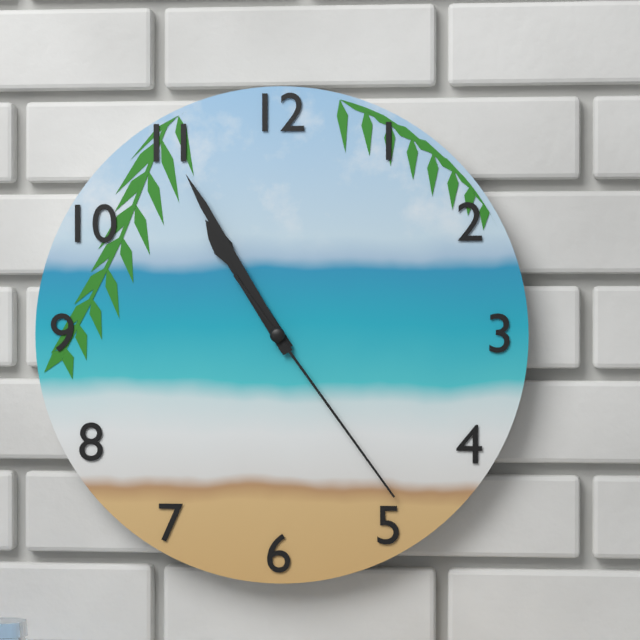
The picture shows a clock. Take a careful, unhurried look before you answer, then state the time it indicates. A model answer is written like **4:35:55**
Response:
**10:55:24**
